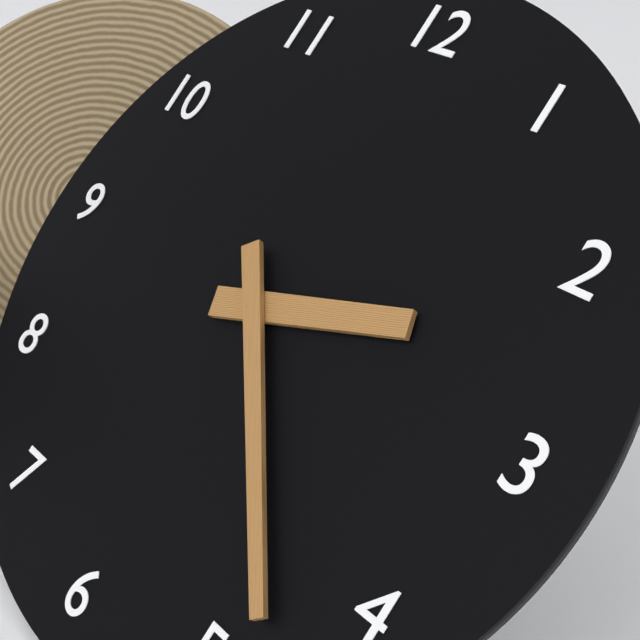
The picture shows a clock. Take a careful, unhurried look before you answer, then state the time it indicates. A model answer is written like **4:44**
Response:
**2:23**
